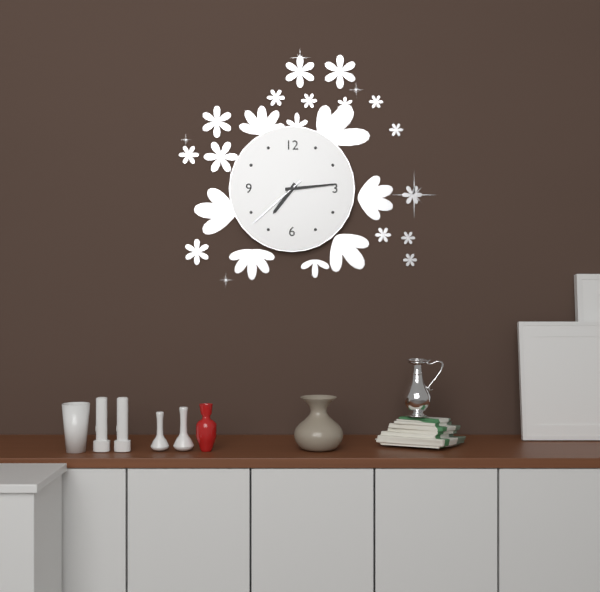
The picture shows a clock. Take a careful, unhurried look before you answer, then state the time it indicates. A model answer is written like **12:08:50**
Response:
**7:14:38**
